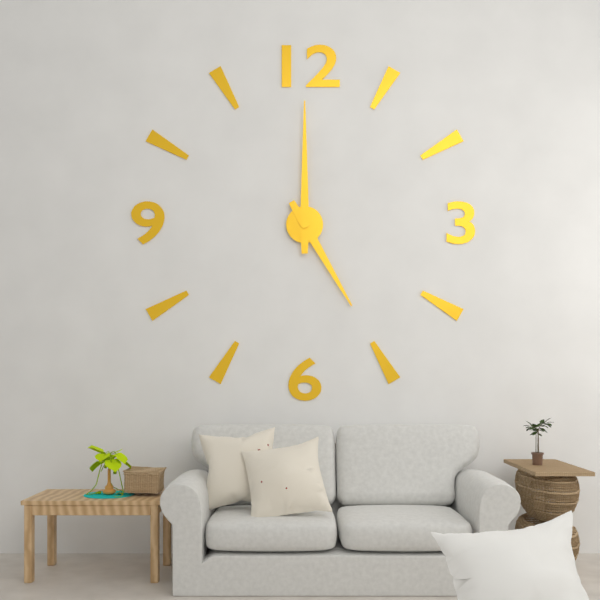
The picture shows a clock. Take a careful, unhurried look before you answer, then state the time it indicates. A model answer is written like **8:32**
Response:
**5:00**
